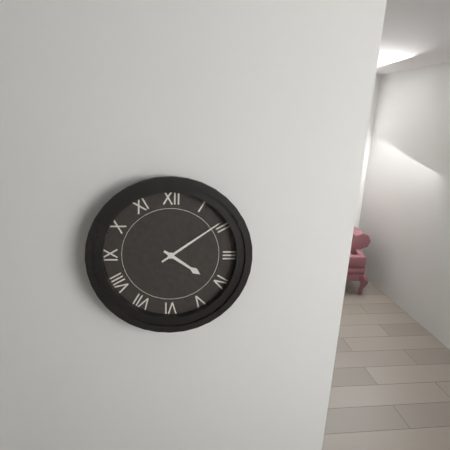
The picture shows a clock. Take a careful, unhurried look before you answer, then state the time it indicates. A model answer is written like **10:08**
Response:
**4:09**
